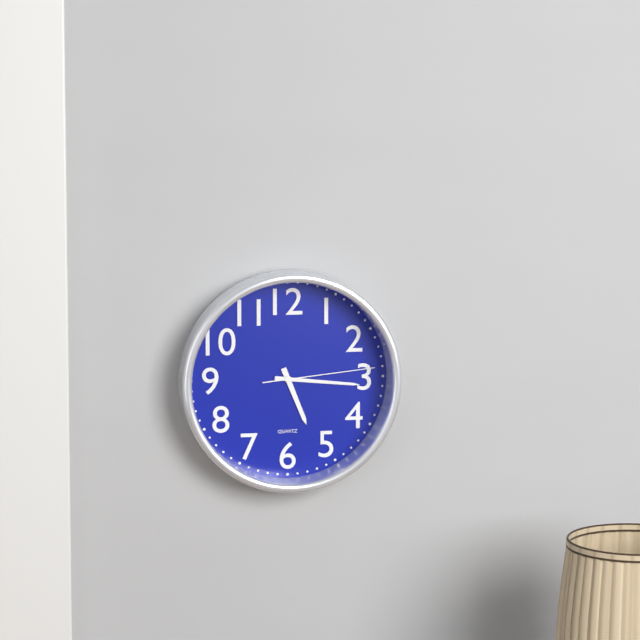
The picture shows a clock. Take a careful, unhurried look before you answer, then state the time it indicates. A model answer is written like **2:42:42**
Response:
**5:16:14**
